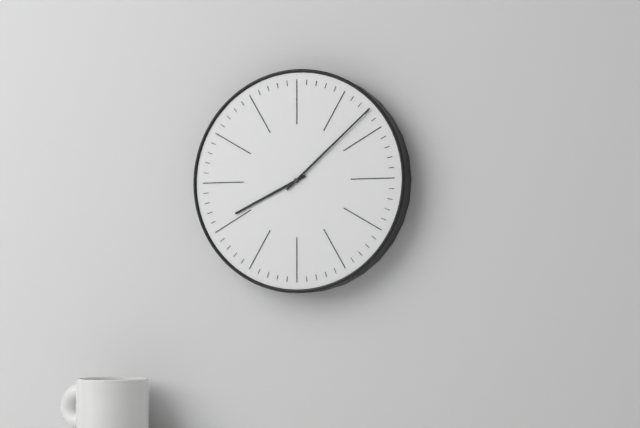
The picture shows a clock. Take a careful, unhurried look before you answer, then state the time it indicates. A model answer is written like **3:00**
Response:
**8:08**
